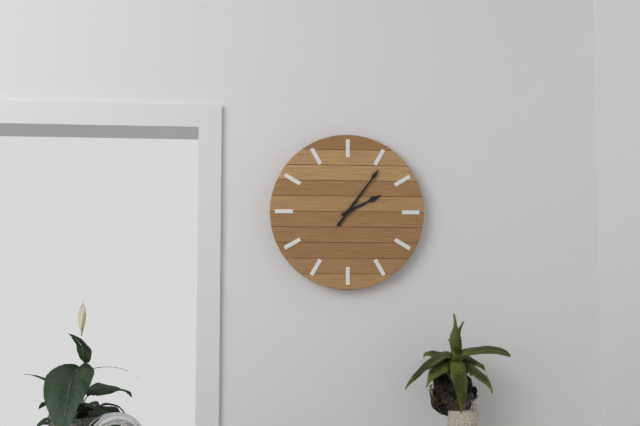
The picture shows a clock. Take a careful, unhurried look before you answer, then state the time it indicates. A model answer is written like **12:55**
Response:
**2:06**
